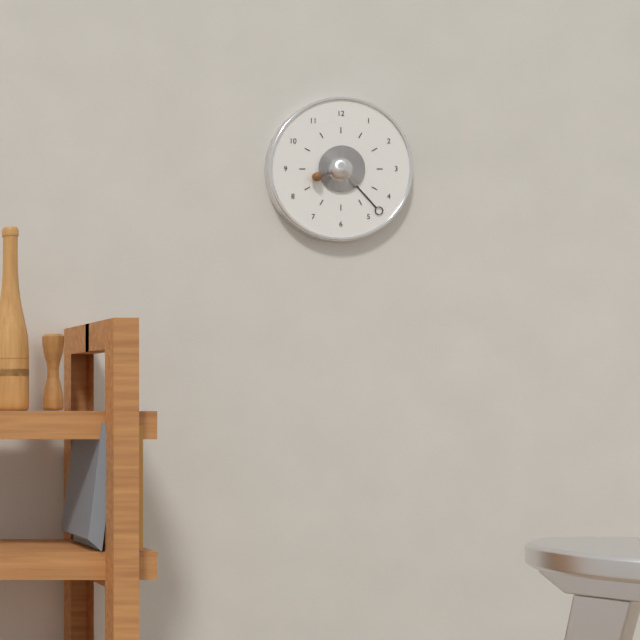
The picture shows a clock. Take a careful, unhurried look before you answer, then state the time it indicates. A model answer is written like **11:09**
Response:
**8:23**
